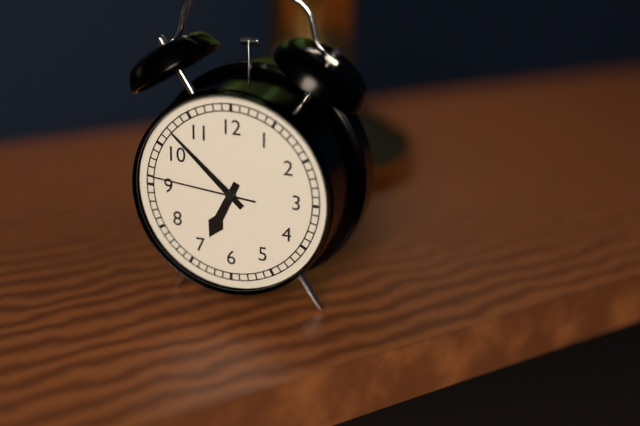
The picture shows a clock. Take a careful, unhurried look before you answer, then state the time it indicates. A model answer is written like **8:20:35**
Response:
**6:52:46**
